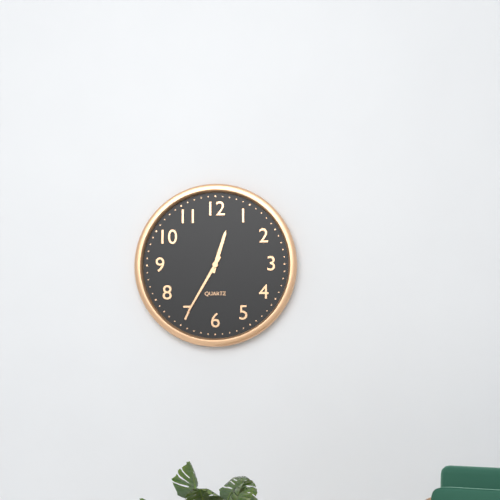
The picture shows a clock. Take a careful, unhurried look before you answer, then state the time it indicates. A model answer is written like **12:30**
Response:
**12:35**
